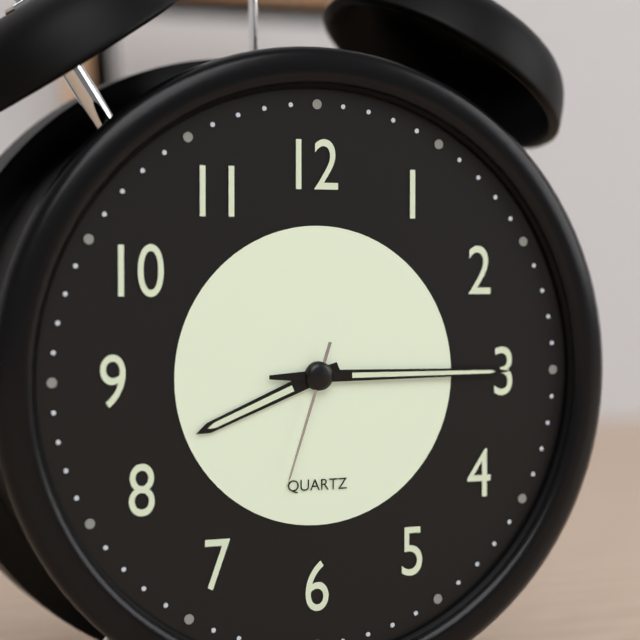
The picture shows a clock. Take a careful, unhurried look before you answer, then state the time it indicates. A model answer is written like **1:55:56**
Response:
**8:15:33**
